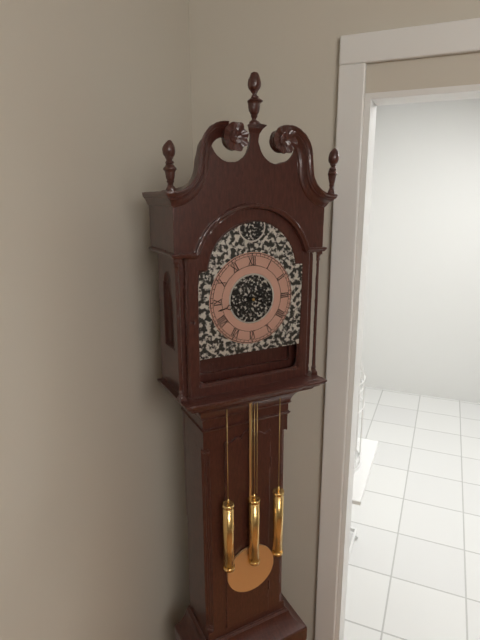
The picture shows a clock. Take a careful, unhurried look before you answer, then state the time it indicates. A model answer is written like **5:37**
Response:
**3:43**
